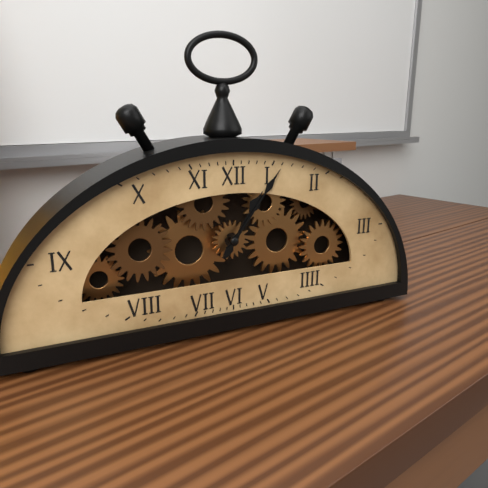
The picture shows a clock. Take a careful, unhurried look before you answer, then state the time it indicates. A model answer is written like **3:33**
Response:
**1:06**
